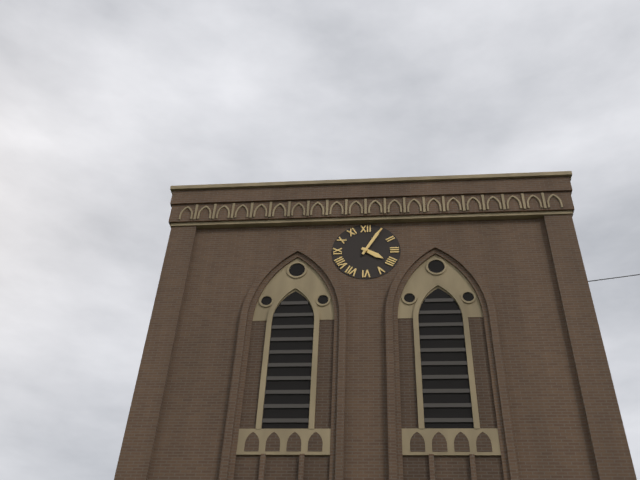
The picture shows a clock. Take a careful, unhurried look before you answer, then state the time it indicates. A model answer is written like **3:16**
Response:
**4:05**
